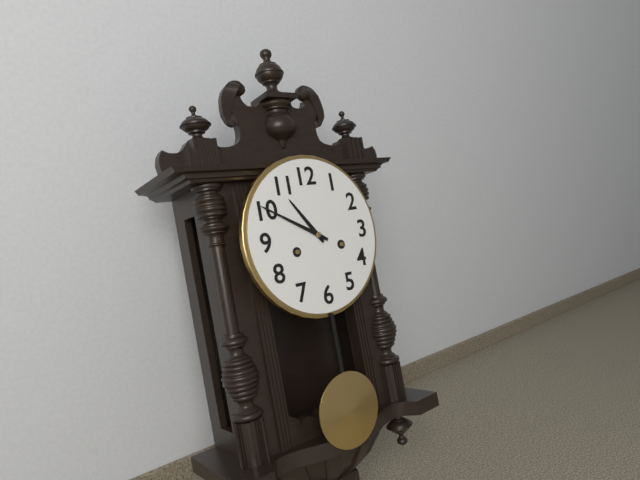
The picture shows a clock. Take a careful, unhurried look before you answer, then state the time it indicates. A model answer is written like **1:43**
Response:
**10:50**
